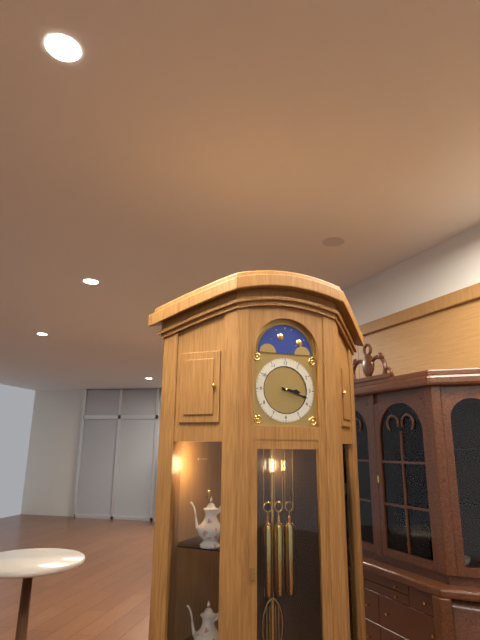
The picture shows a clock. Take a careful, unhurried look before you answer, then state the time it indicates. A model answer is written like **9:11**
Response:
**3:18**
